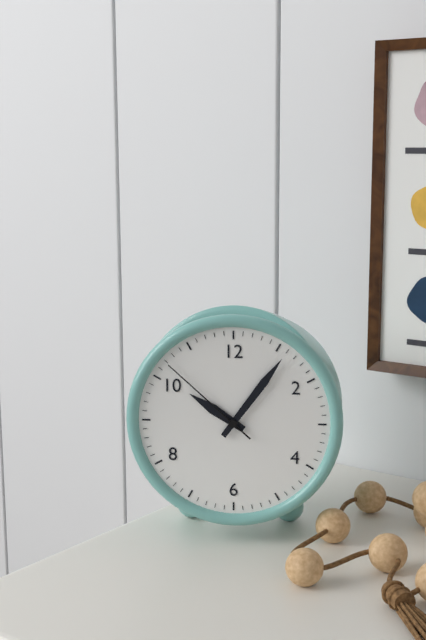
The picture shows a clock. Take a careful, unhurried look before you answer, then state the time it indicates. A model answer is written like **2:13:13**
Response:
**10:06:52**
